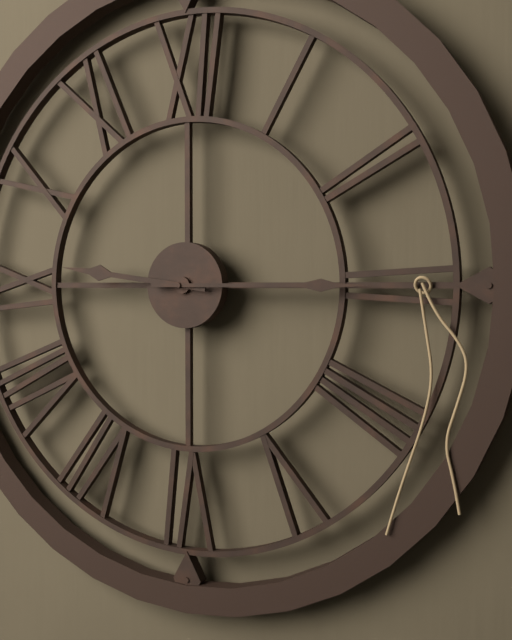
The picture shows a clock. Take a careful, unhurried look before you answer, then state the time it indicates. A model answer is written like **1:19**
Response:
**9:15**
